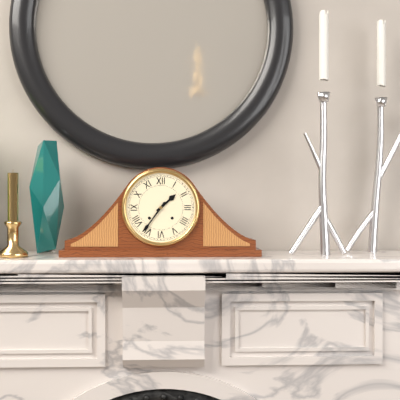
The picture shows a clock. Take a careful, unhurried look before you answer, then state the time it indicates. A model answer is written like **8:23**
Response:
**1:36**
